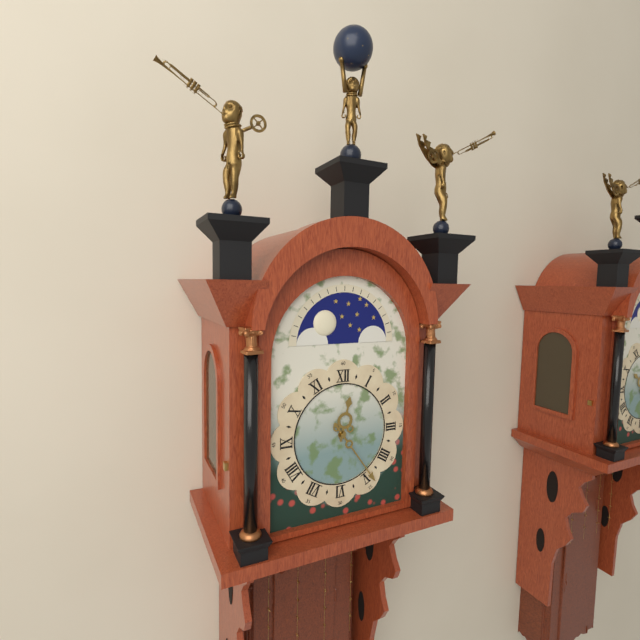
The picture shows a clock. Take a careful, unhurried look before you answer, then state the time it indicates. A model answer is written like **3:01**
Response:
**12:24**
